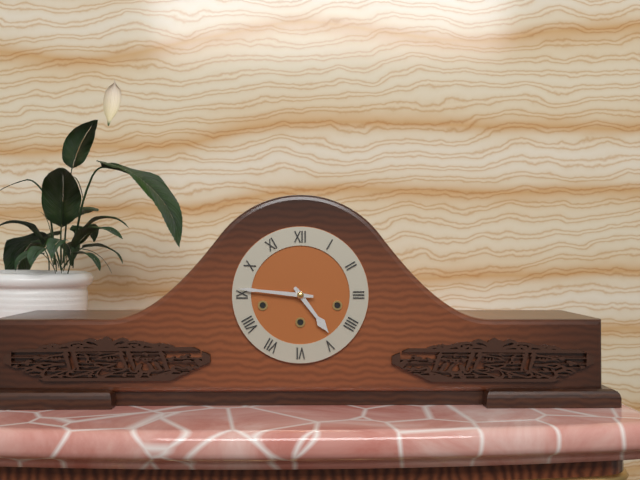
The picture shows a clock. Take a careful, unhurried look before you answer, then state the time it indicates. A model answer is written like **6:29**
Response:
**4:46**
